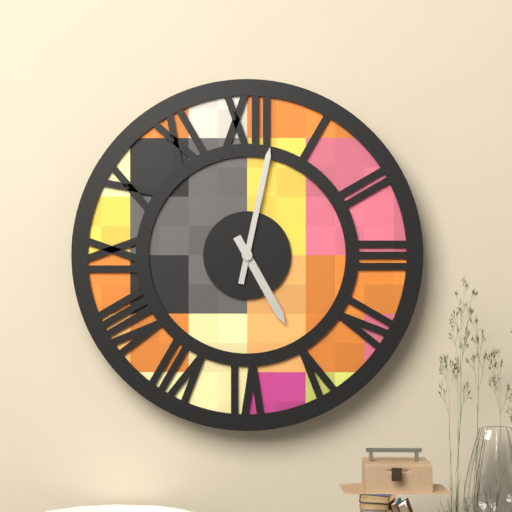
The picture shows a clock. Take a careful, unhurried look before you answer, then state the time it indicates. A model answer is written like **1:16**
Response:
**5:02**
